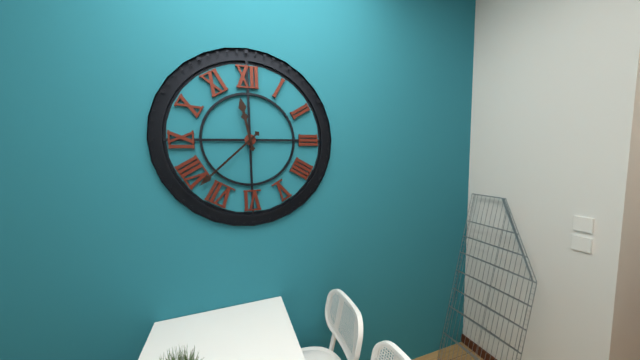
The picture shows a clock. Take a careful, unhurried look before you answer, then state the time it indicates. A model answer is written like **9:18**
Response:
**11:38**
